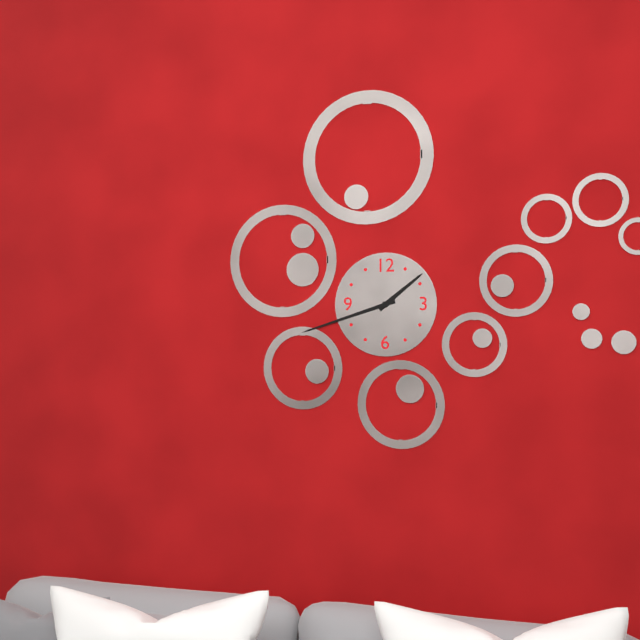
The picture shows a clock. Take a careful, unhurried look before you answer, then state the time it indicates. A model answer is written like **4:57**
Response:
**1:42**
